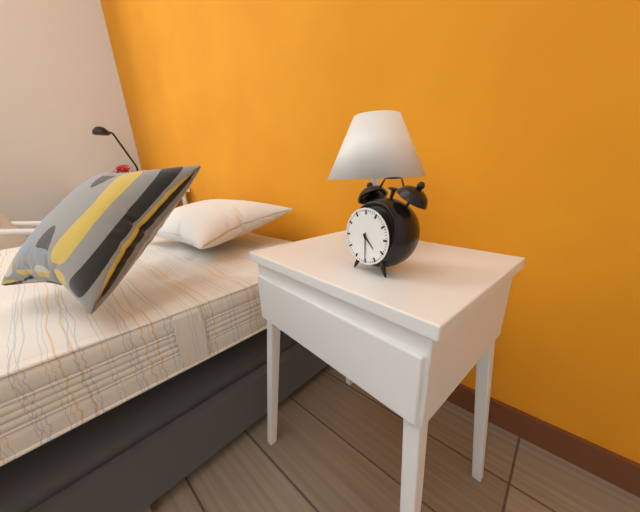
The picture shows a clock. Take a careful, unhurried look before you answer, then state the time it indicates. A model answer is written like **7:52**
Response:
**4:30**
